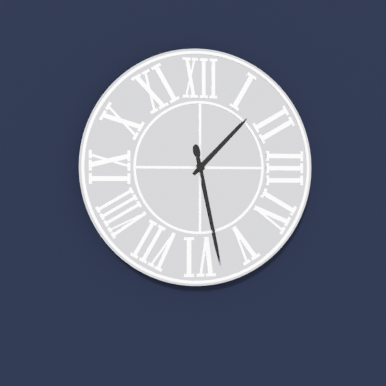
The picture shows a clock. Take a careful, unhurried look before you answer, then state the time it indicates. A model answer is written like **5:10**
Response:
**1:28**
